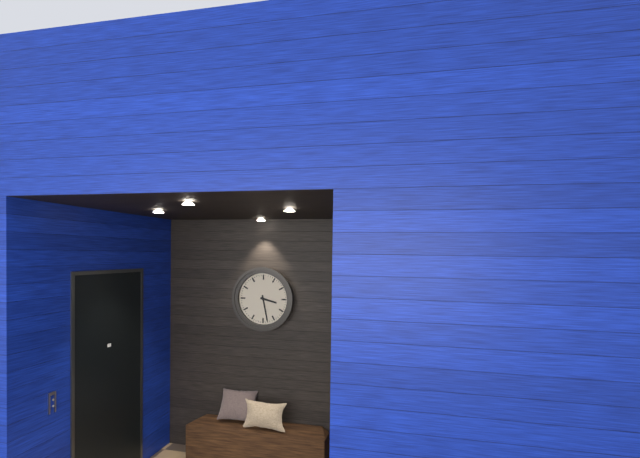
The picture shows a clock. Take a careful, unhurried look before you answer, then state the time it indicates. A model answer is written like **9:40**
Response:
**3:28**
